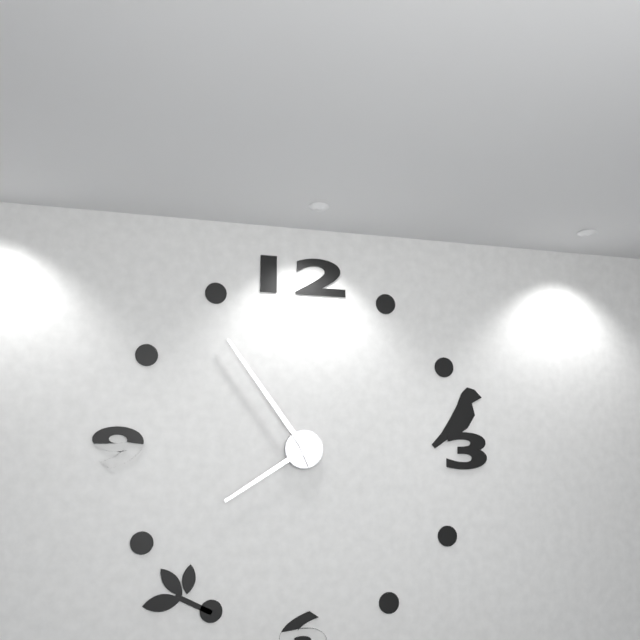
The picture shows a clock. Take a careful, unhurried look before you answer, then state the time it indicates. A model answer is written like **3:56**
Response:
**7:54**
